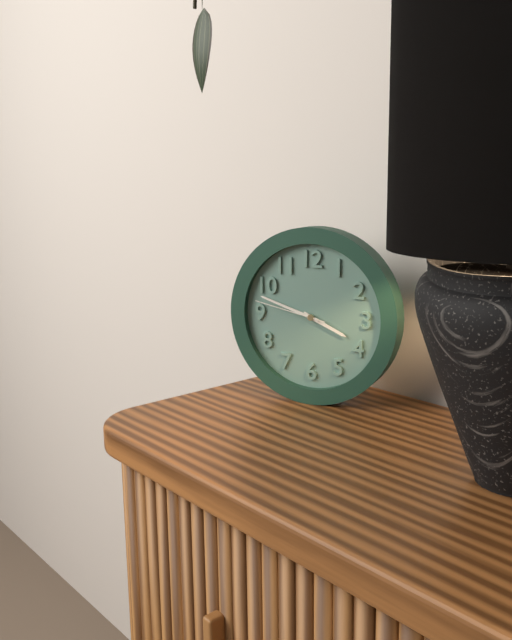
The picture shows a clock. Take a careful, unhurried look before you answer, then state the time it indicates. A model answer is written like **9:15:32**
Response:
**3:48:47**
